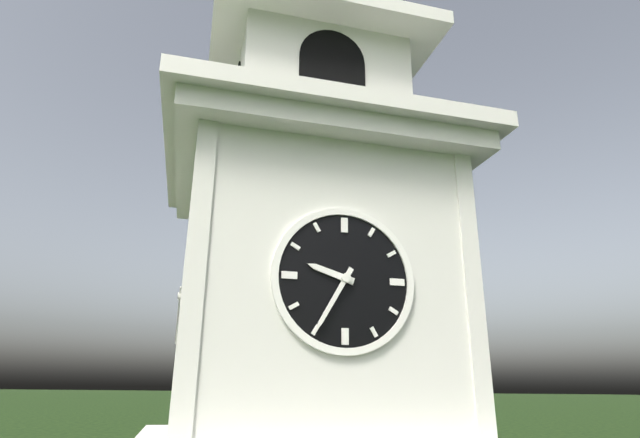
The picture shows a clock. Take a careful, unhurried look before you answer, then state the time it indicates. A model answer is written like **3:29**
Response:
**9:35**
